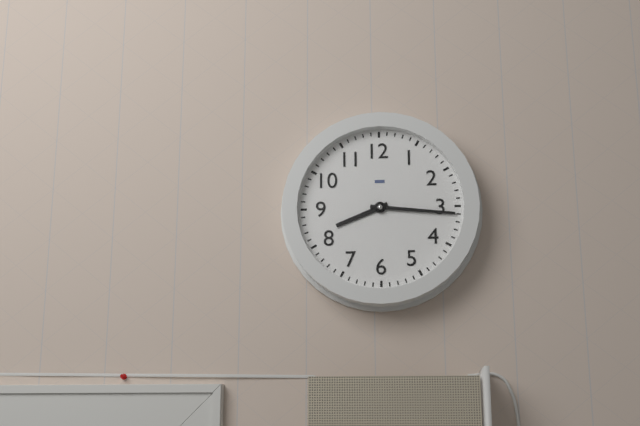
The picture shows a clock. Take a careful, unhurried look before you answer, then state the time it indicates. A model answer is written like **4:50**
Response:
**8:16**
